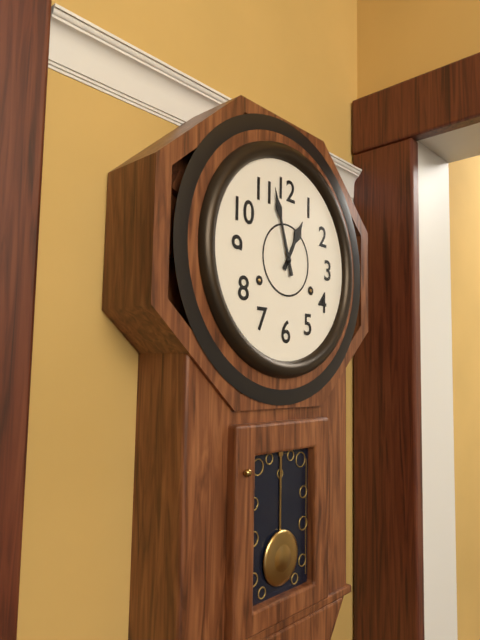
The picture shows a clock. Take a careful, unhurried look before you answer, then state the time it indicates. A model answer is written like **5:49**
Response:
**12:57**
